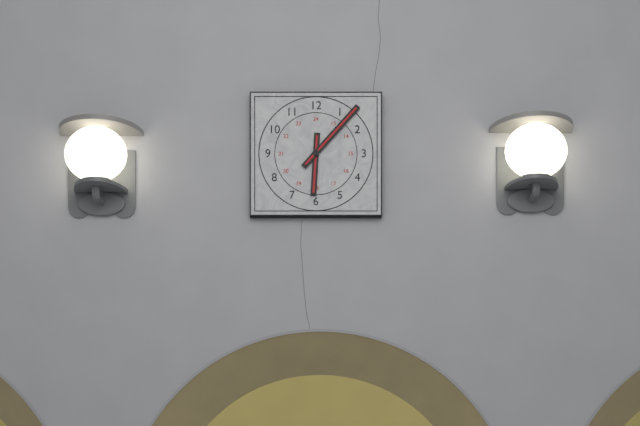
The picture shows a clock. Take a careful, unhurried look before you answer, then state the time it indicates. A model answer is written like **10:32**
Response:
**6:07**
